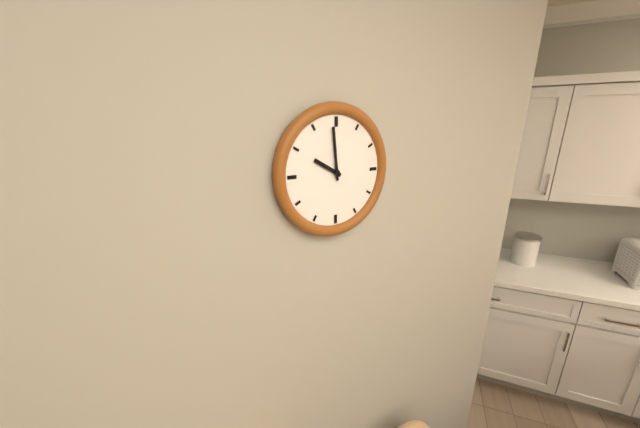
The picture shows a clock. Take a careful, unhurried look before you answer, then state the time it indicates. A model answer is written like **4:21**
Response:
**9:59**
